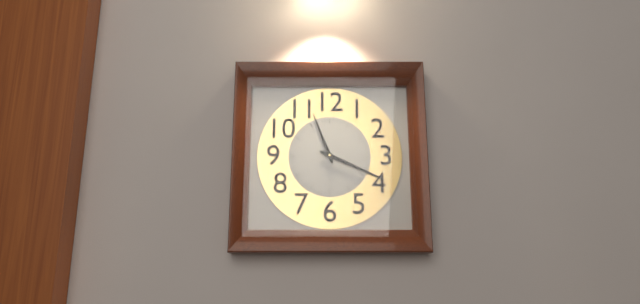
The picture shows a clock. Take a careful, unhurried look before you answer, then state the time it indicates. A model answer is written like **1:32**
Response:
**11:19**
